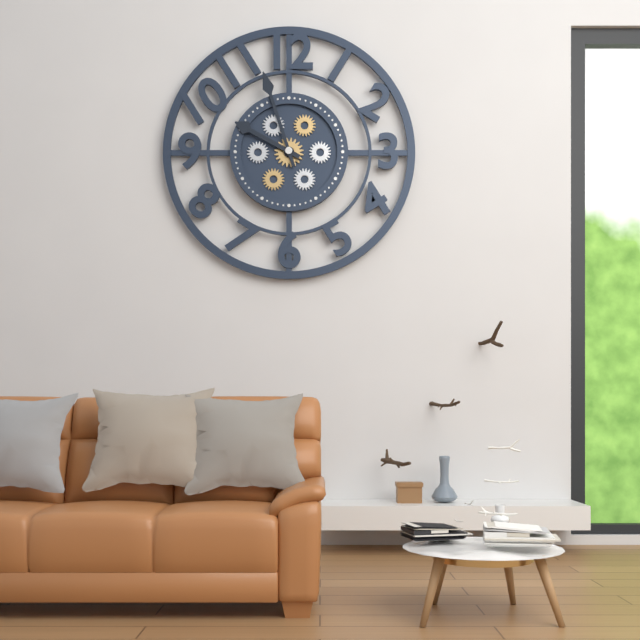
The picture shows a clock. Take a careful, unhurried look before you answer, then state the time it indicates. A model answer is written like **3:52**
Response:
**9:57**
